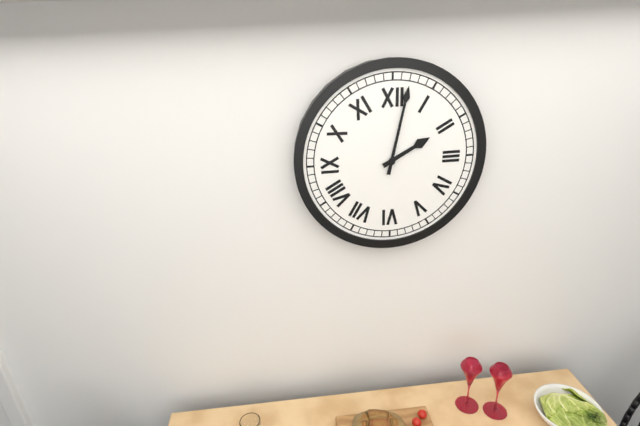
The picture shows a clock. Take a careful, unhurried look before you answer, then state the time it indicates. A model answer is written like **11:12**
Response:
**2:02**
